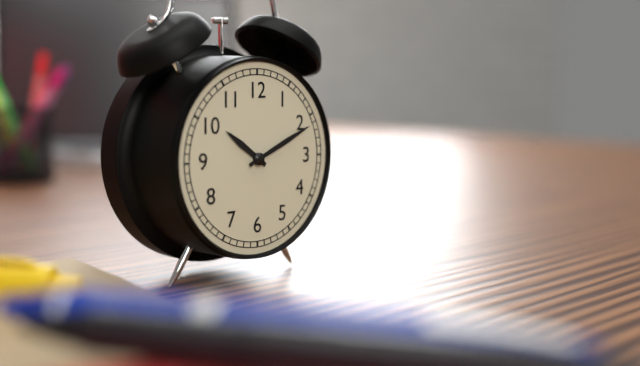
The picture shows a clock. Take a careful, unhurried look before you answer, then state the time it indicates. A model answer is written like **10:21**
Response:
**10:11**
